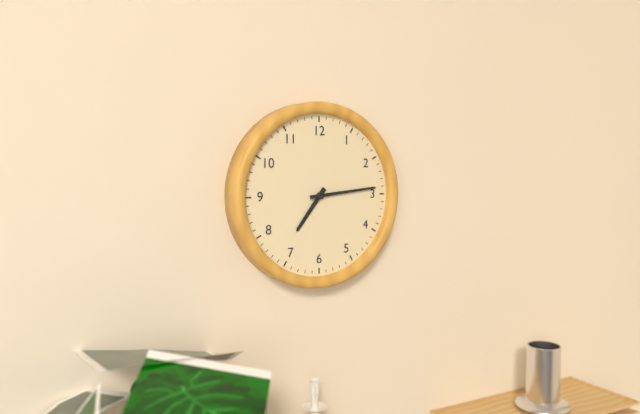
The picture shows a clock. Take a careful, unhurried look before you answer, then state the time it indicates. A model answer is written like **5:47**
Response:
**7:14**
